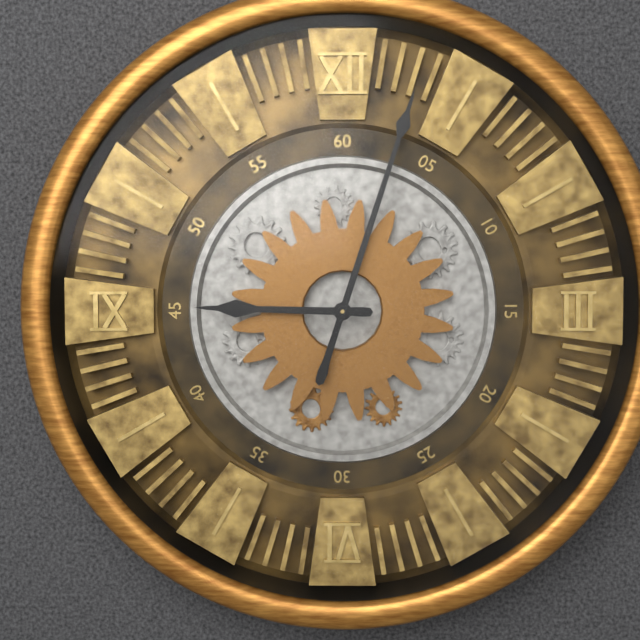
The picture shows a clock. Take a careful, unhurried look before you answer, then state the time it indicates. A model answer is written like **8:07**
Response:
**9:03**
